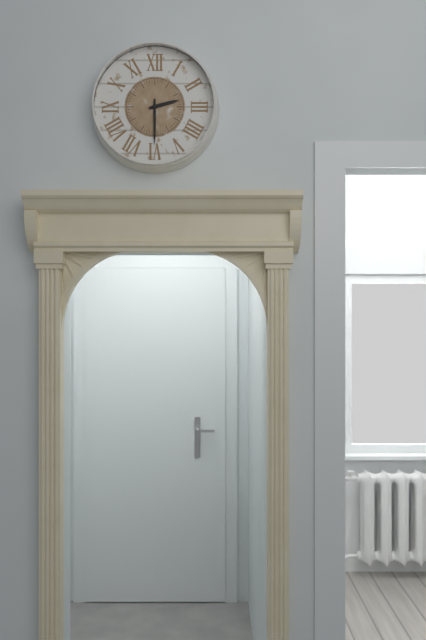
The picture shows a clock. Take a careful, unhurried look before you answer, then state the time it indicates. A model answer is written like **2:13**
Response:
**2:30**
